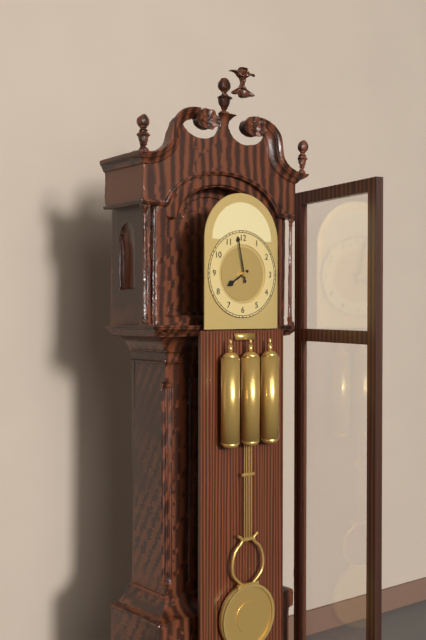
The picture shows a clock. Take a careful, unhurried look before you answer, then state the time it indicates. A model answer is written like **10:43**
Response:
**7:58**
